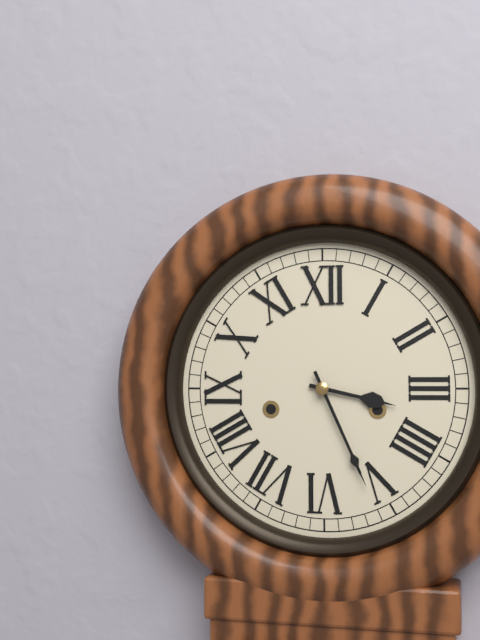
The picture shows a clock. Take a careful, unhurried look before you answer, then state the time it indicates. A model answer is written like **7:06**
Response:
**3:26**
